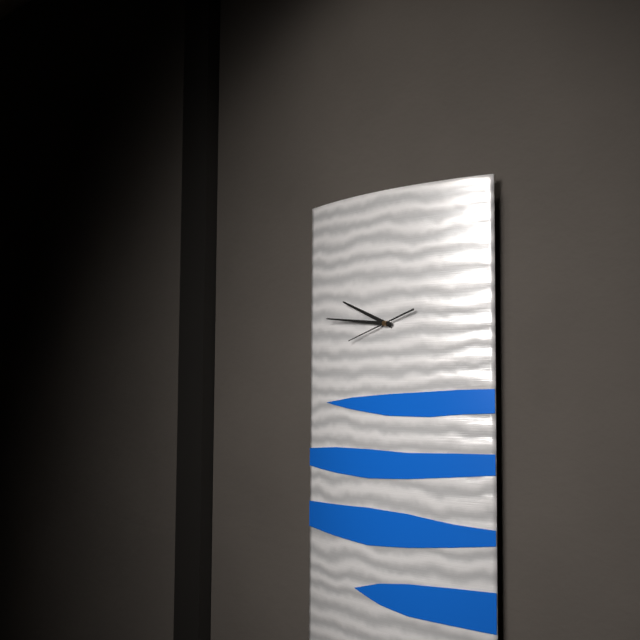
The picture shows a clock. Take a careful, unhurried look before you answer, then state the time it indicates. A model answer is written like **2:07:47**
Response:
**9:46:42**
